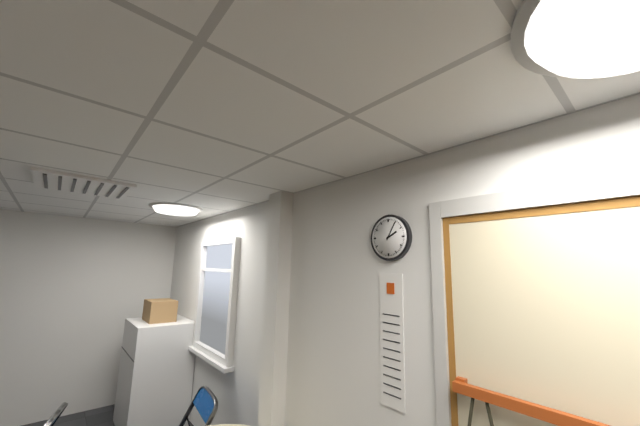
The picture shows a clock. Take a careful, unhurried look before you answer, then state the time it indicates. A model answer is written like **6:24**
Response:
**2:05**
